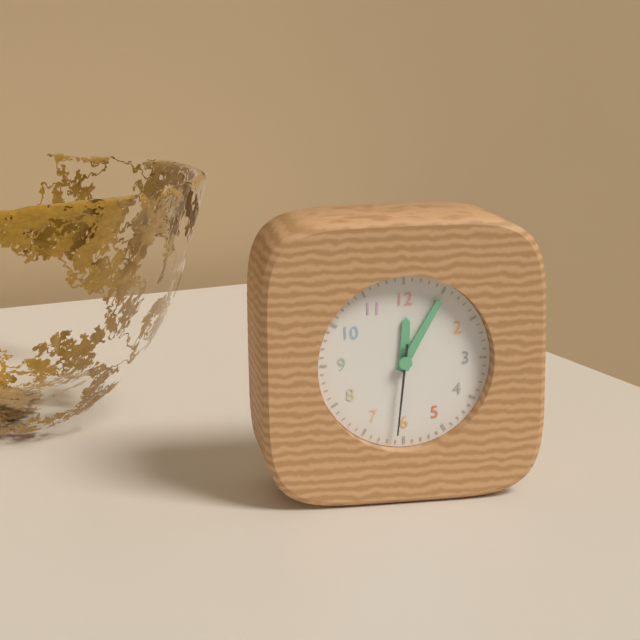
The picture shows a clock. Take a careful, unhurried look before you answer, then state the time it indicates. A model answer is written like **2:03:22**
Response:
**12:05:31**
